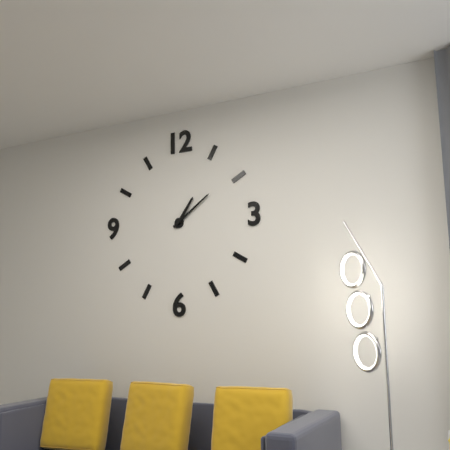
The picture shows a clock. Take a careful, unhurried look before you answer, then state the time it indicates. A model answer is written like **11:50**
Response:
**1:09**
